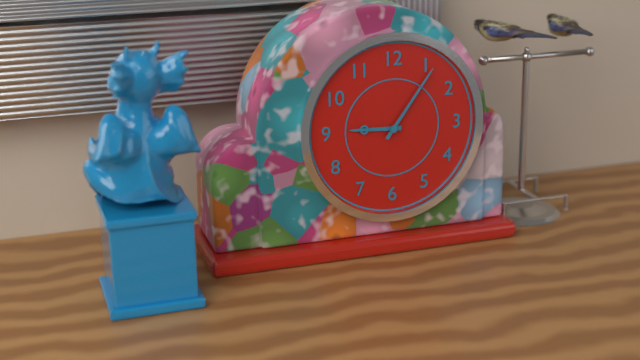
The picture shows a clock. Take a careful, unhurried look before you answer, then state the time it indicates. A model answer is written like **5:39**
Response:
**9:06**
